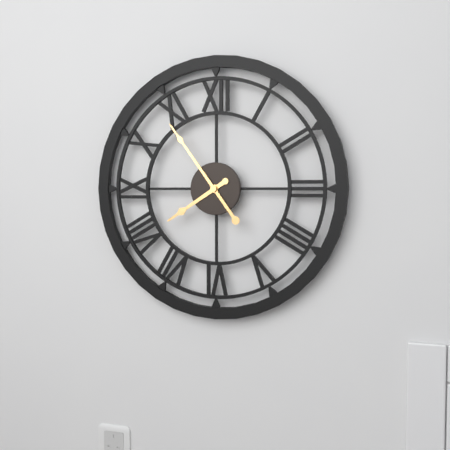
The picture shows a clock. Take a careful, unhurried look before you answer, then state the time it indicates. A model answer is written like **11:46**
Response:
**7:54**
